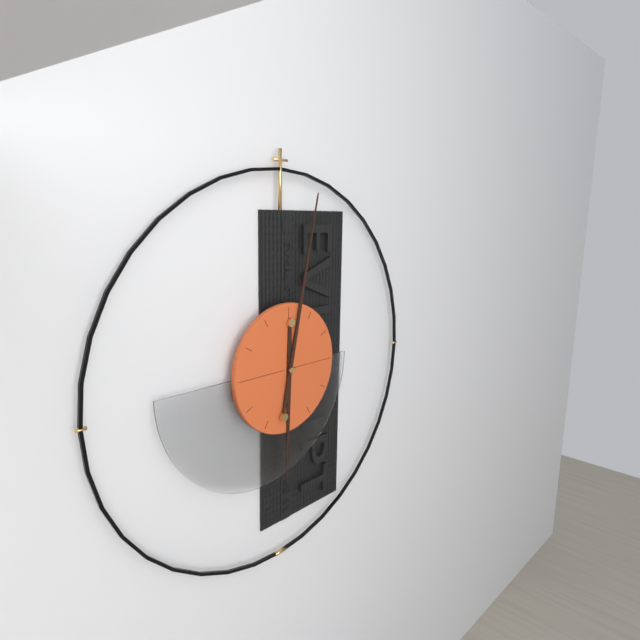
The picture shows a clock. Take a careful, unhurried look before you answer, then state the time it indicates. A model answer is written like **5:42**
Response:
**6:02**
